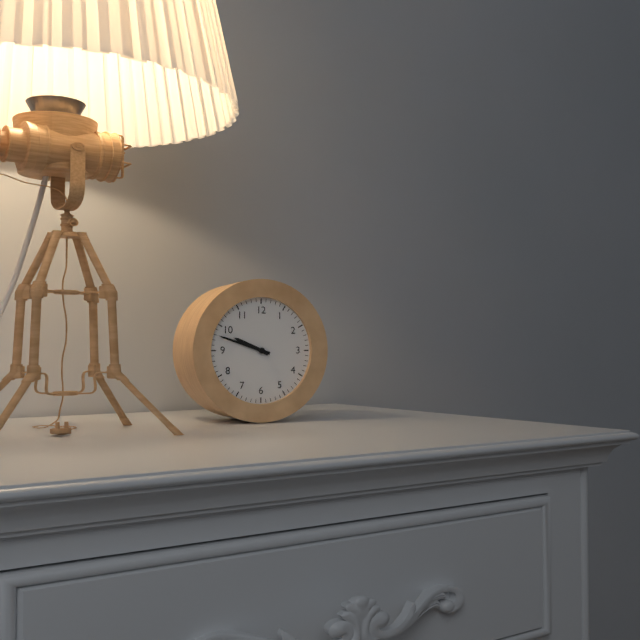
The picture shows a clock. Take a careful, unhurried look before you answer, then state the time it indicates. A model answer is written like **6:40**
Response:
**9:48**
